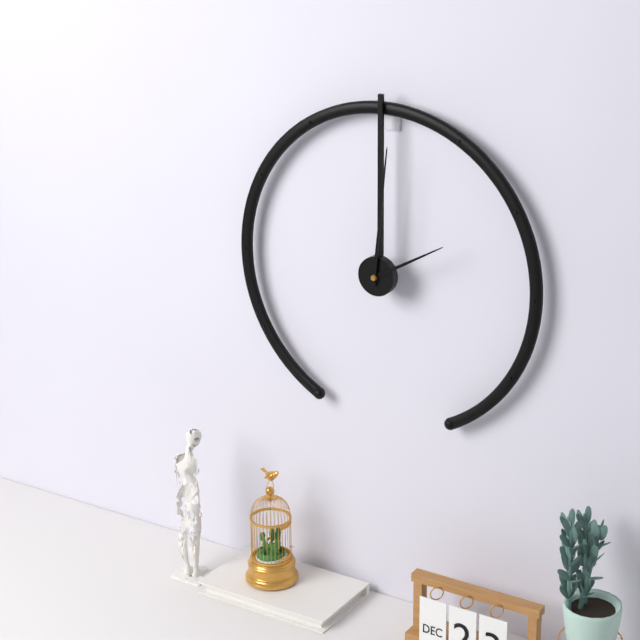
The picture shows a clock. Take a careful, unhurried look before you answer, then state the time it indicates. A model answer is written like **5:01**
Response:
**2:01**
